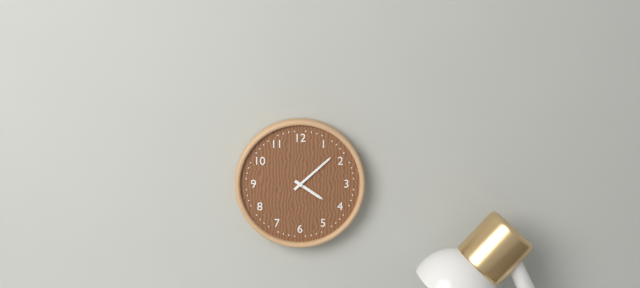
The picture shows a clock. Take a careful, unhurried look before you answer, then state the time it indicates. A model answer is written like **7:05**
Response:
**4:08**
